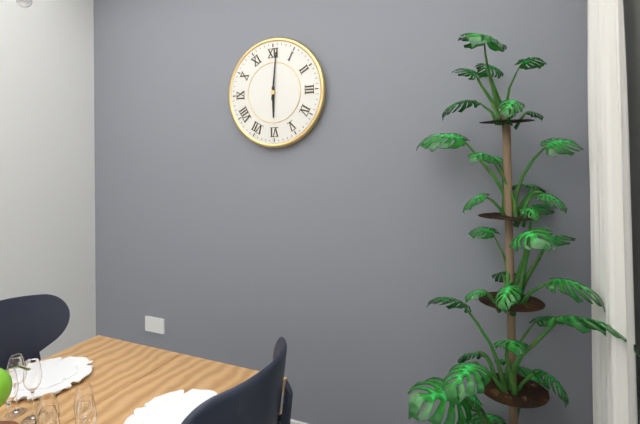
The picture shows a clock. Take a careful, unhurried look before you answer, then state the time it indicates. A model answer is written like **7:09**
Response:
**6:01**
